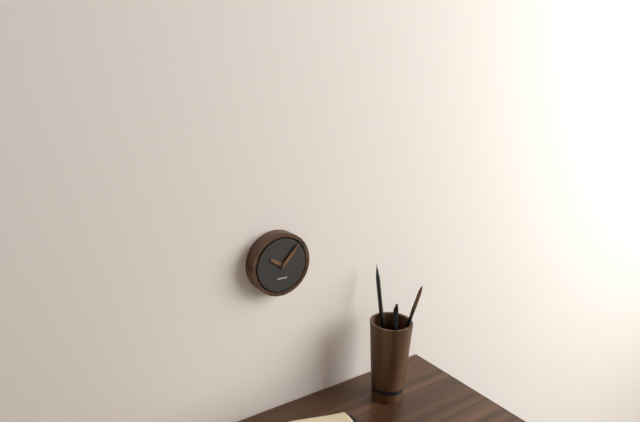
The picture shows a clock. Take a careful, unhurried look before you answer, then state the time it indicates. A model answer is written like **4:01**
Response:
**10:07**
